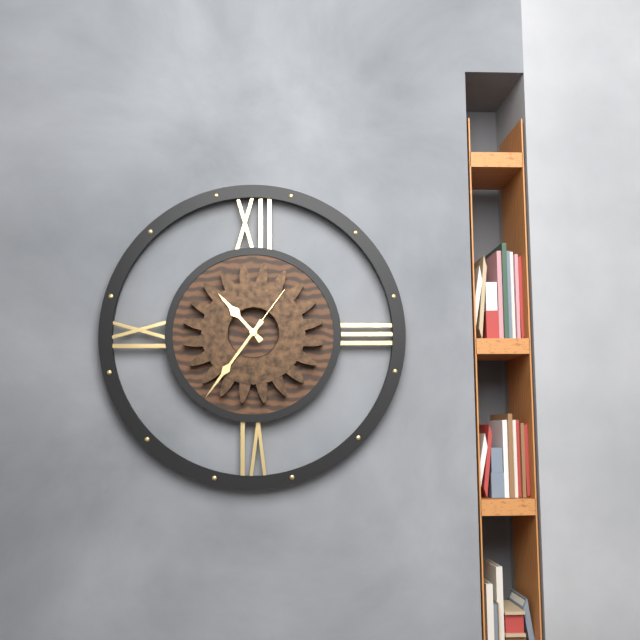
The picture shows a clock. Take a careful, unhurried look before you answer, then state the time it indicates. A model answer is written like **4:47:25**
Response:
**10:36:06**
